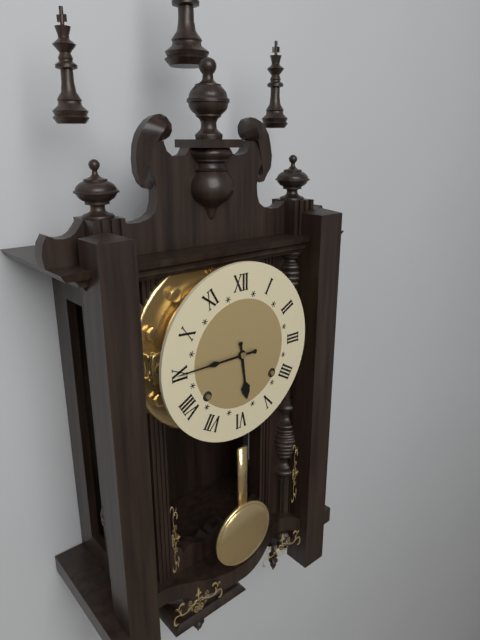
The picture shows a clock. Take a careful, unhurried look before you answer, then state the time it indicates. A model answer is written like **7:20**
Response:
**5:45**
